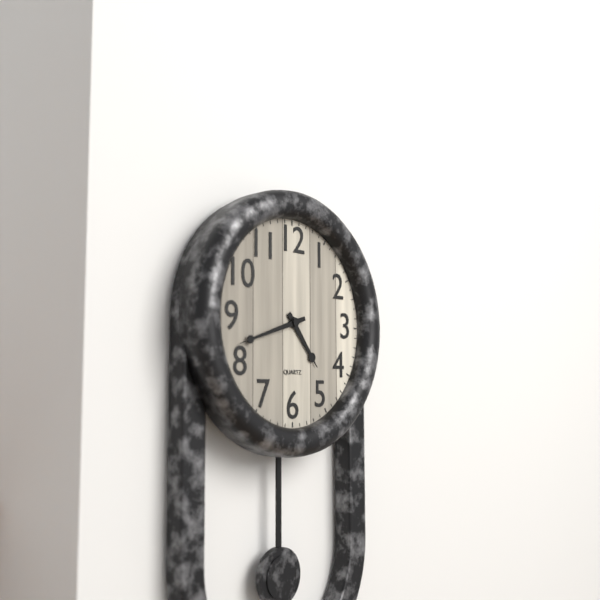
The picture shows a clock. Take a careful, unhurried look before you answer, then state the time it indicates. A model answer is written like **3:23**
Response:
**4:42**
